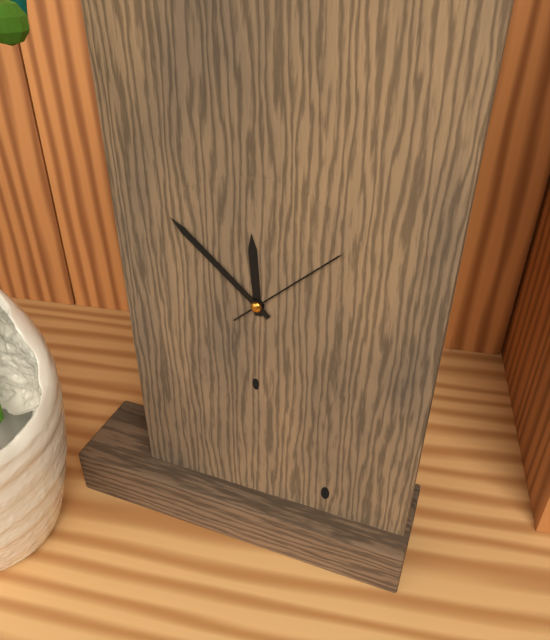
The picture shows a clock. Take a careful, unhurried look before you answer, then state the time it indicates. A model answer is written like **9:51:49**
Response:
**11:52:08**
